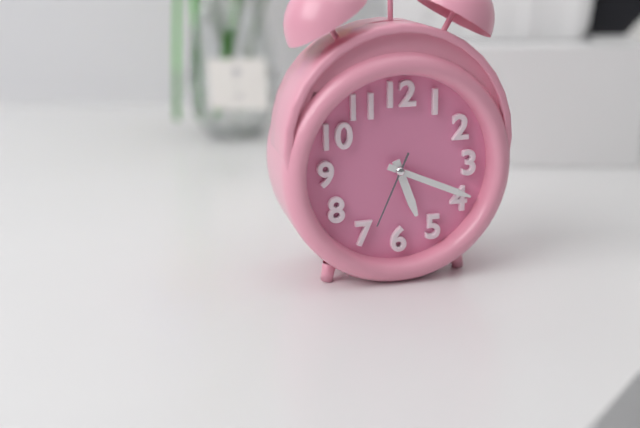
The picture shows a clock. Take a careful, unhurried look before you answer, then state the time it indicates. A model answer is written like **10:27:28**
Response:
**5:19:34**
